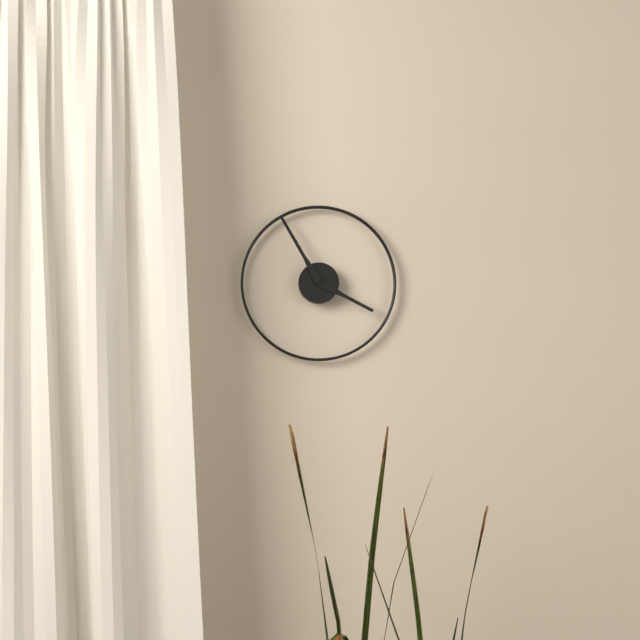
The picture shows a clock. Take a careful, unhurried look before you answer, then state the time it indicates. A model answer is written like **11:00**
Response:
**3:55**
